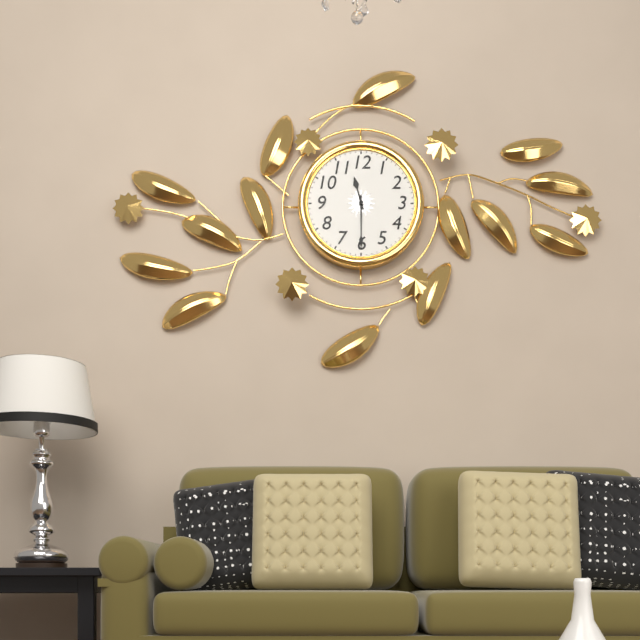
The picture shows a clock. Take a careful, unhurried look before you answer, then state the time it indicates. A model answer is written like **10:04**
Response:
**11:30**
